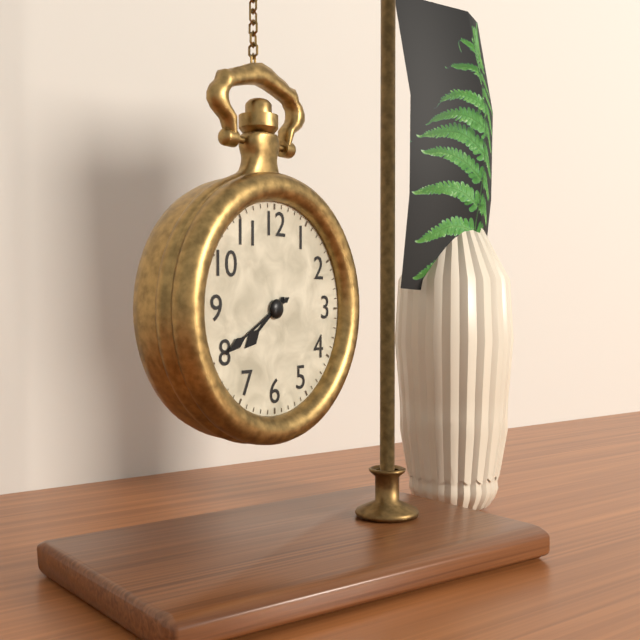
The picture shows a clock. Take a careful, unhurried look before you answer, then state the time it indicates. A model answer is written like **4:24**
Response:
**7:40**
